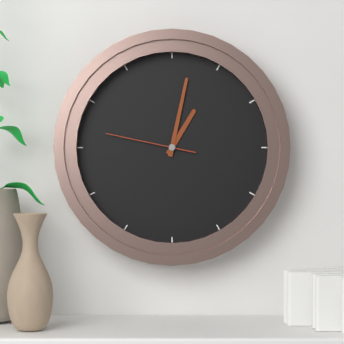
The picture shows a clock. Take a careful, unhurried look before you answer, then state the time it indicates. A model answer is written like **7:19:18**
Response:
**1:02:47**
